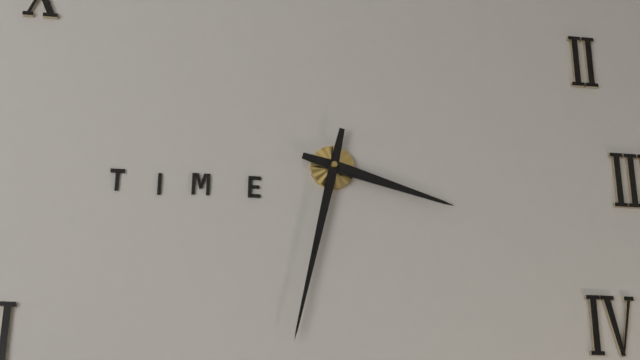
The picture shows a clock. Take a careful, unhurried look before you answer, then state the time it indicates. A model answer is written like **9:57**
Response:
**3:32**
